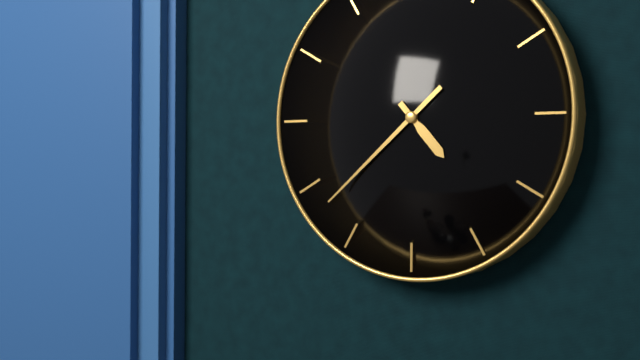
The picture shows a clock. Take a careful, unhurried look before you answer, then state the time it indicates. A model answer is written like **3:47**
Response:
**4:38**
